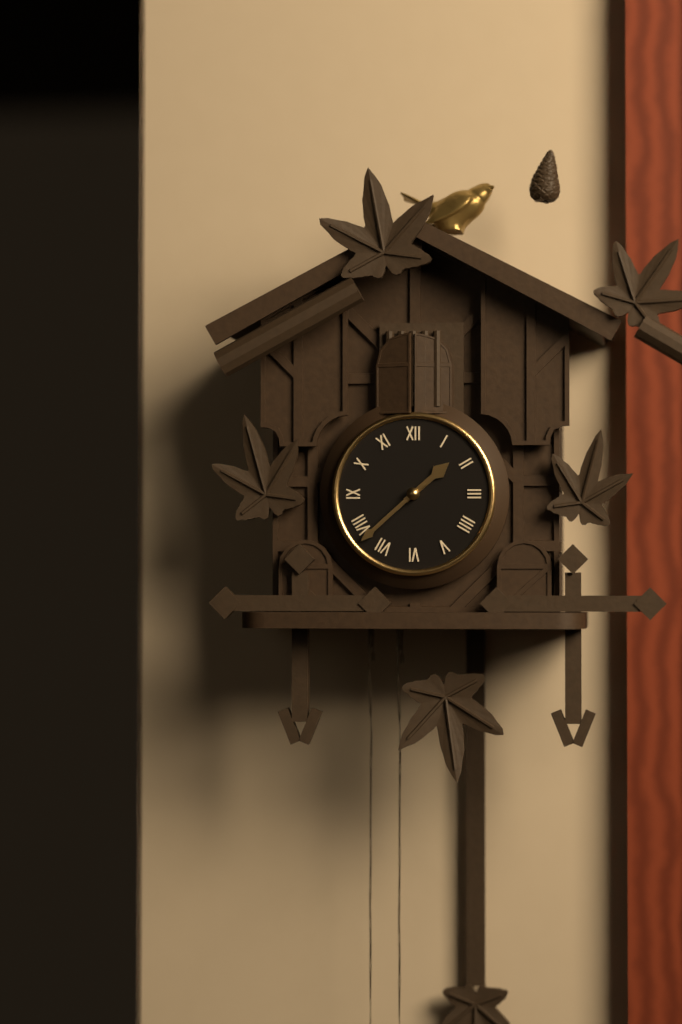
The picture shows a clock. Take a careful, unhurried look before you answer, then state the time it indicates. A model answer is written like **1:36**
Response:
**1:38**
